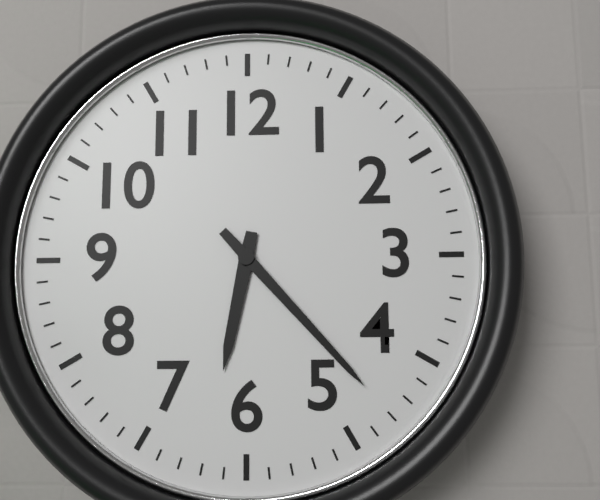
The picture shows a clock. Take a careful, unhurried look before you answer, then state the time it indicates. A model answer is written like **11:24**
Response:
**6:23**
